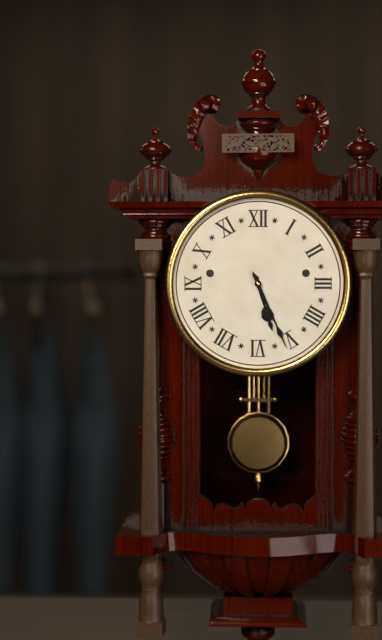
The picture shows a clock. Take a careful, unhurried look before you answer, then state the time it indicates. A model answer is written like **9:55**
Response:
**5:26**
